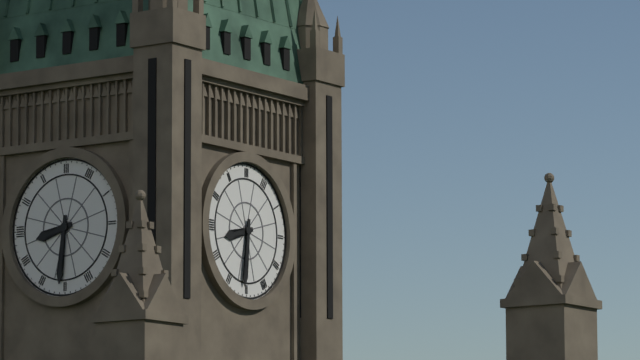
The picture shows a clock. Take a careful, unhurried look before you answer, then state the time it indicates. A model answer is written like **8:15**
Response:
**8:31**
